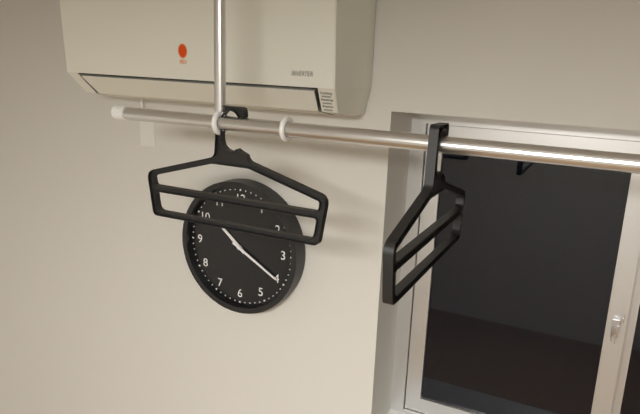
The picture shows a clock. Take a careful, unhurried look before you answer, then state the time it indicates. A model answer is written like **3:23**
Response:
**10:20**
